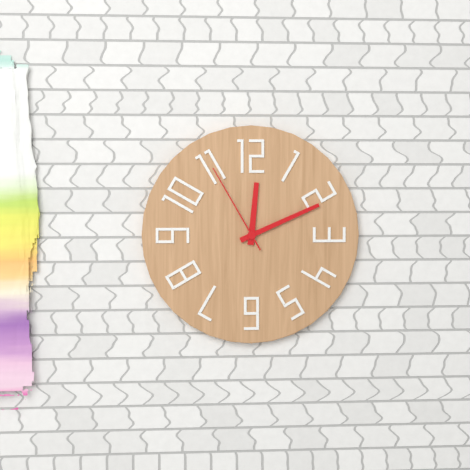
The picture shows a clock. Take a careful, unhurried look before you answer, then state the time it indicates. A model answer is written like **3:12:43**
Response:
**12:11:55**
